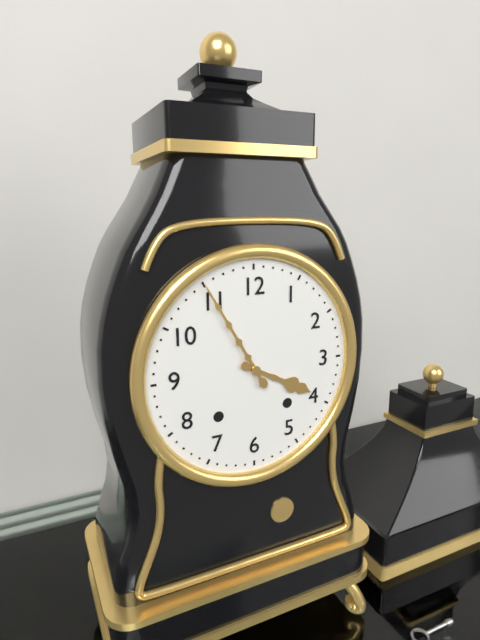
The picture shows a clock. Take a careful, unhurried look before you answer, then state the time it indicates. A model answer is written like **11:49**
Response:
**3:55**
